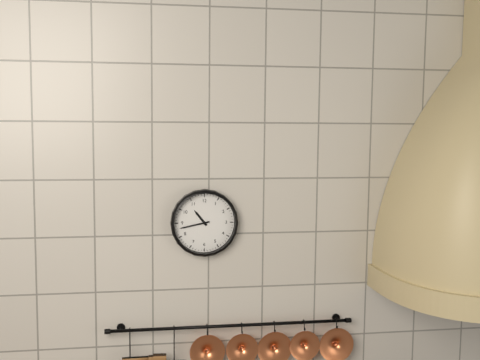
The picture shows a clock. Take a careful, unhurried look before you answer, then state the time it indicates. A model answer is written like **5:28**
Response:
**10:43**
